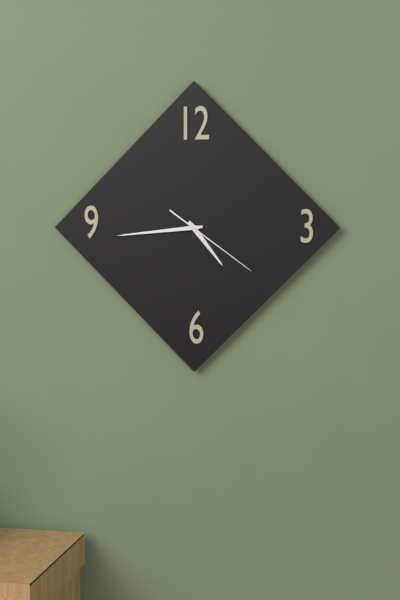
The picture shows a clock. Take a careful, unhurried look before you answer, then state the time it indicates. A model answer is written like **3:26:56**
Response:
**4:44:21**
